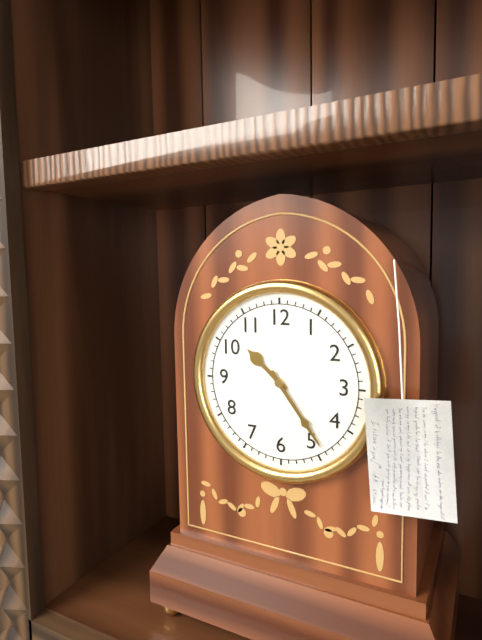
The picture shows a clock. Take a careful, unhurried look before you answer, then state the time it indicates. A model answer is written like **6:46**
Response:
**10:24**
